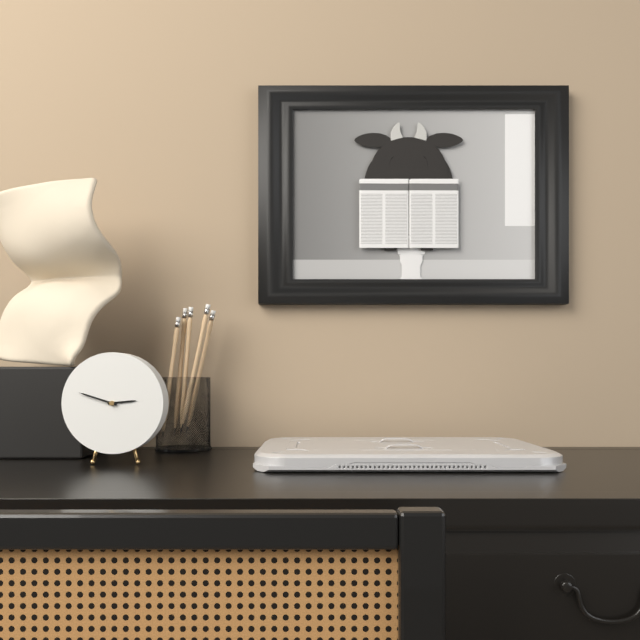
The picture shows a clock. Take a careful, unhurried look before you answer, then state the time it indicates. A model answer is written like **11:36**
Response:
**2:48**
